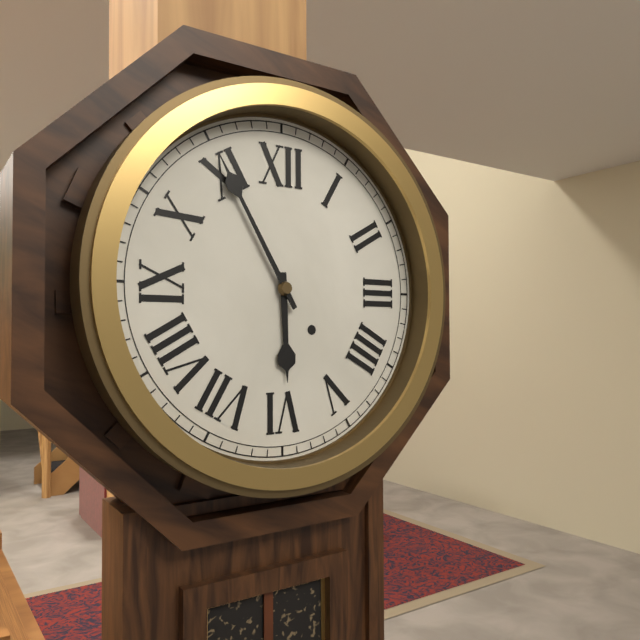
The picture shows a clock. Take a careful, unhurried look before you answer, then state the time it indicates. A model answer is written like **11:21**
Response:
**5:55**
